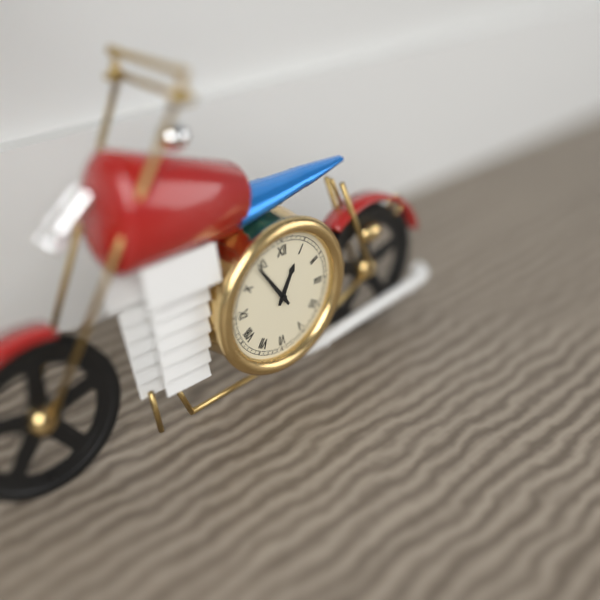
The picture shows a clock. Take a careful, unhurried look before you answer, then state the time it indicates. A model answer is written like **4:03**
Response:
**12:54**
